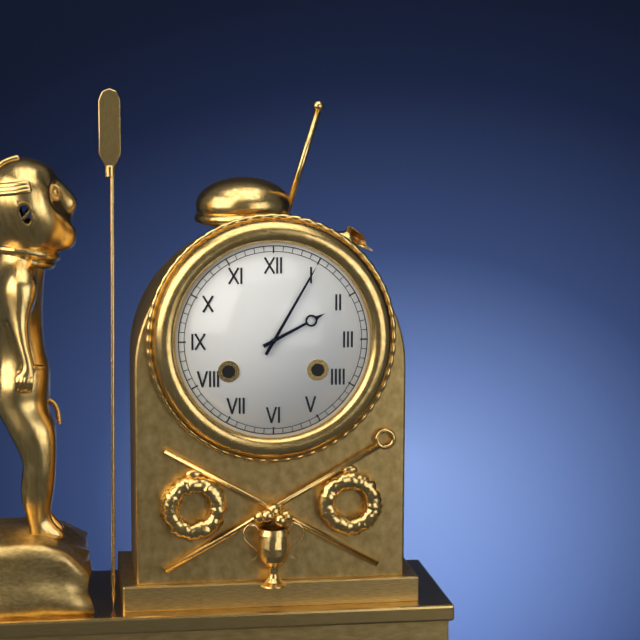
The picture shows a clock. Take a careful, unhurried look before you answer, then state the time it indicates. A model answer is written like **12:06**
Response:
**2:05**
